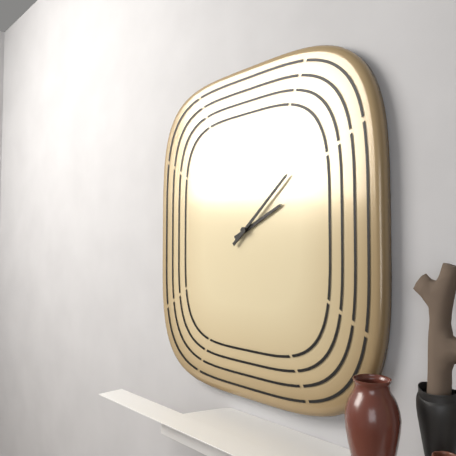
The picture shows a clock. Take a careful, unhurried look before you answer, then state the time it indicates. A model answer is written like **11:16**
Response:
**2:08**
